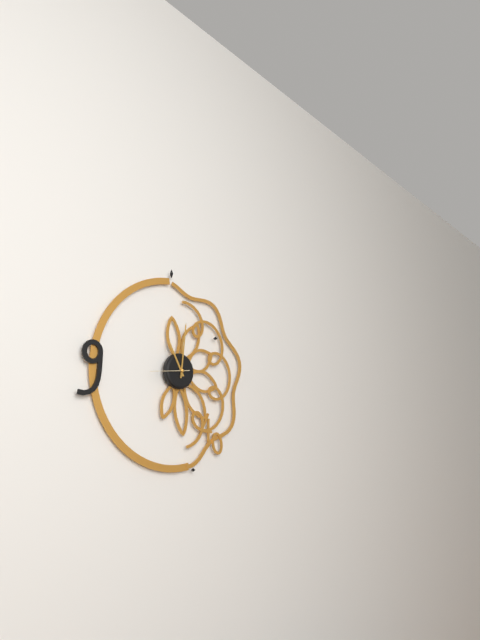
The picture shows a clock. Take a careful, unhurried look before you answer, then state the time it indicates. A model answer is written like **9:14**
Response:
**11:01**
